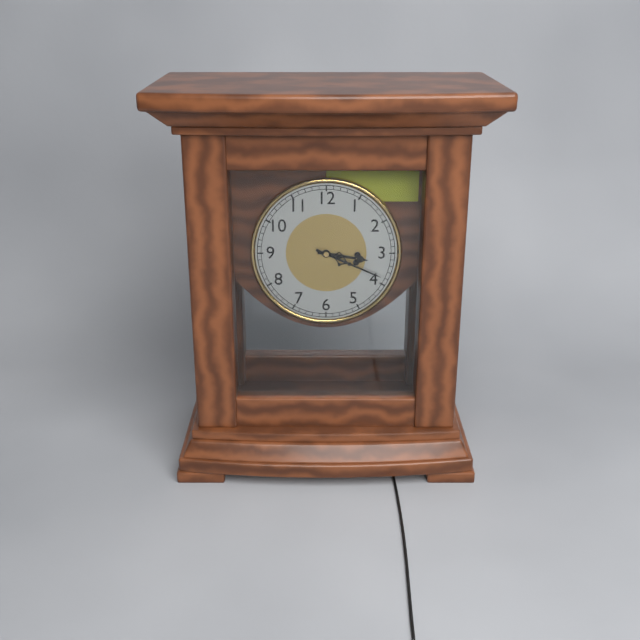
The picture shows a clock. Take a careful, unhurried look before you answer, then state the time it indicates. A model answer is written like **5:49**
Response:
**3:19**
